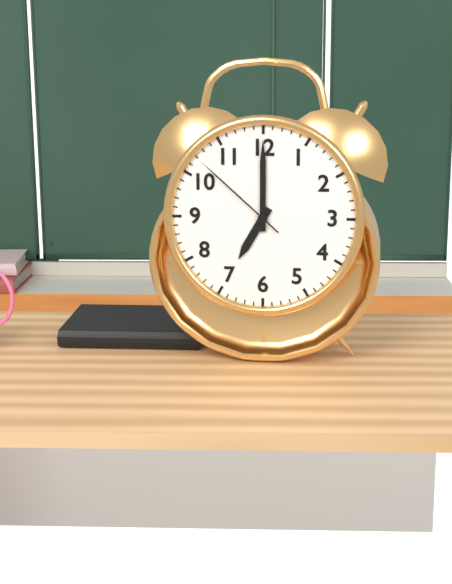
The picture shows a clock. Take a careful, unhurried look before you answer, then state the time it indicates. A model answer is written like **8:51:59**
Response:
**7:00:52**
